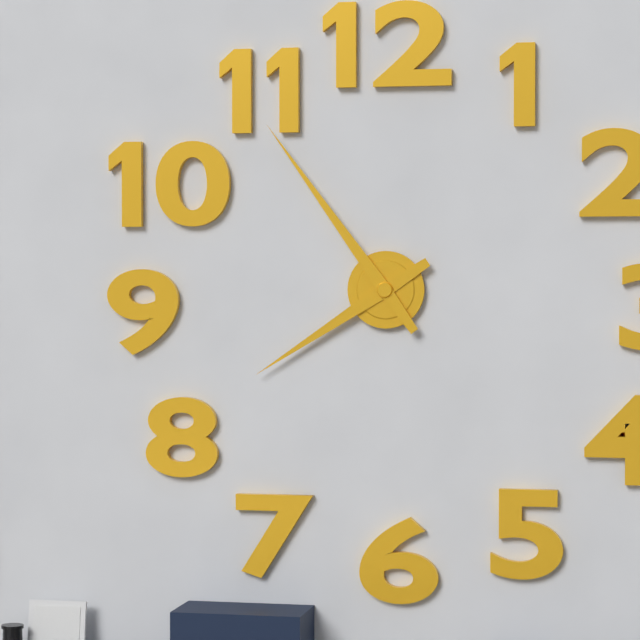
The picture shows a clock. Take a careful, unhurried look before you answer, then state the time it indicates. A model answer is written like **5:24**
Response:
**7:54**
